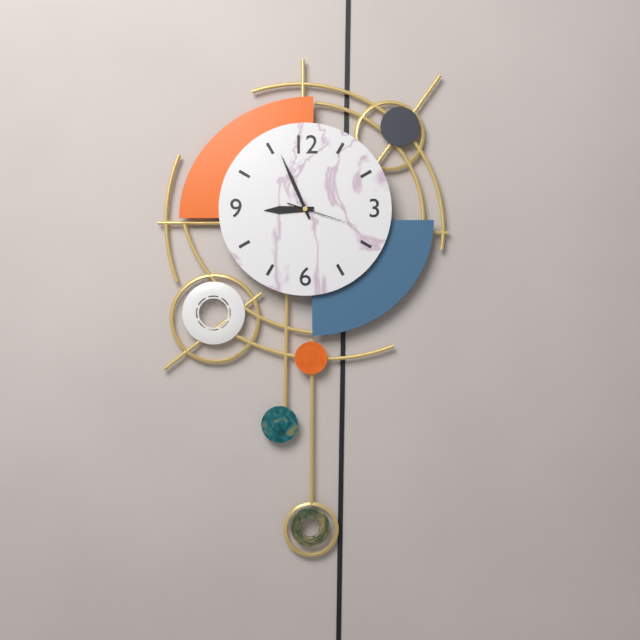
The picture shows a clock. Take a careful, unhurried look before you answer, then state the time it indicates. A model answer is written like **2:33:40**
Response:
**8:56:18**
